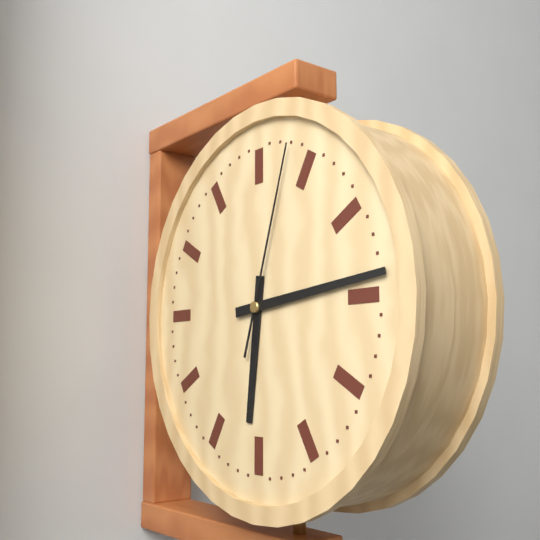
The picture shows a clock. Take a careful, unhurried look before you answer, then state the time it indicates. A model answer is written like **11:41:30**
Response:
**6:14:03**
